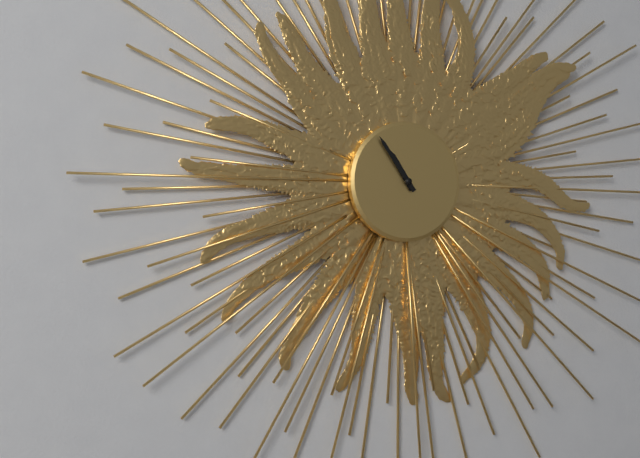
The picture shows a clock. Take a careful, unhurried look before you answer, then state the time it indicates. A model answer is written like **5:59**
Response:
**10:54**
